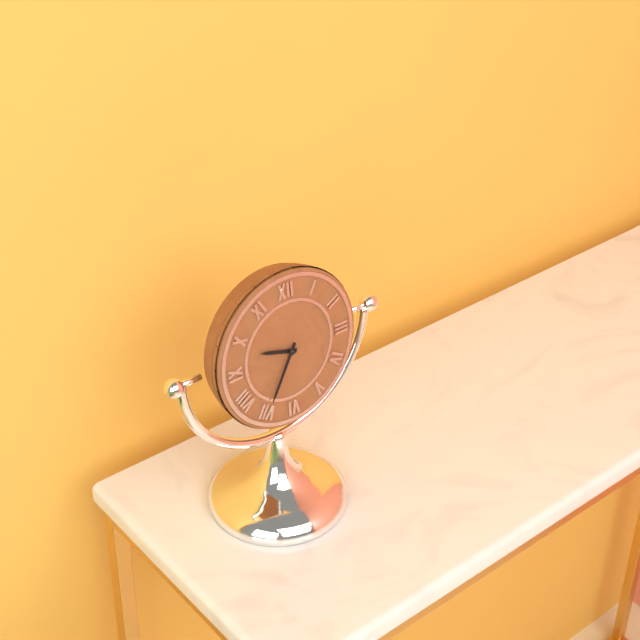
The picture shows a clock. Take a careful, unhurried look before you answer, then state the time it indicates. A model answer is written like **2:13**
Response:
**9:35**
